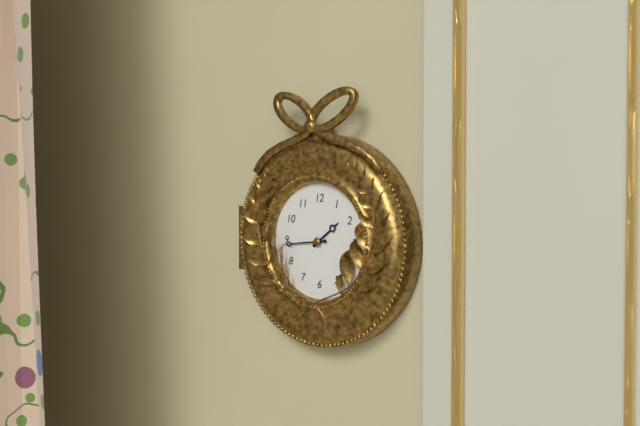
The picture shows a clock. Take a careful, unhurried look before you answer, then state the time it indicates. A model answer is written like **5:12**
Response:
**1:44**
